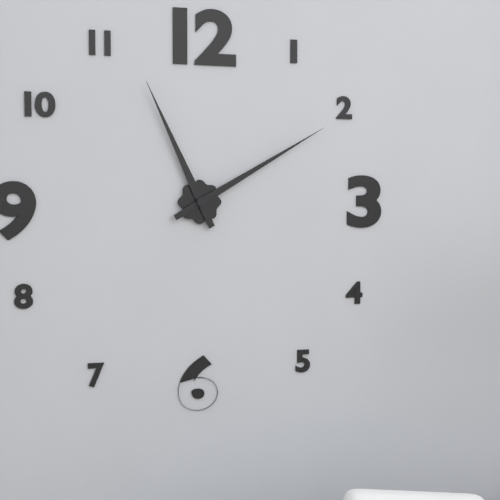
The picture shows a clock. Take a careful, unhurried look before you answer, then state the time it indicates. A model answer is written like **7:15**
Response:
**11:10**
